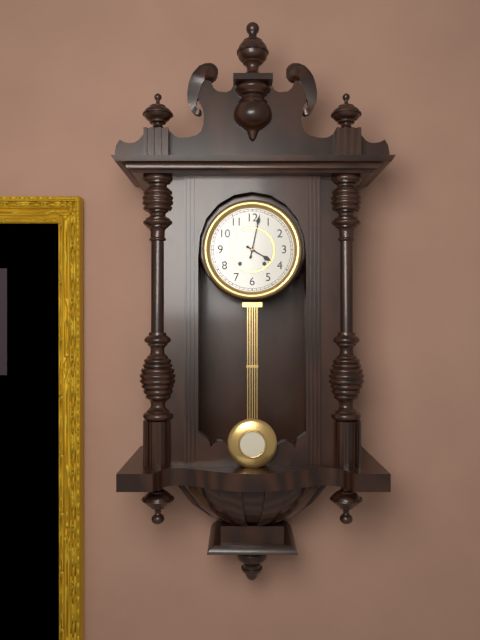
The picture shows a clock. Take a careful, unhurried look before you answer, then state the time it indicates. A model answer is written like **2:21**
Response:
**4:02**
